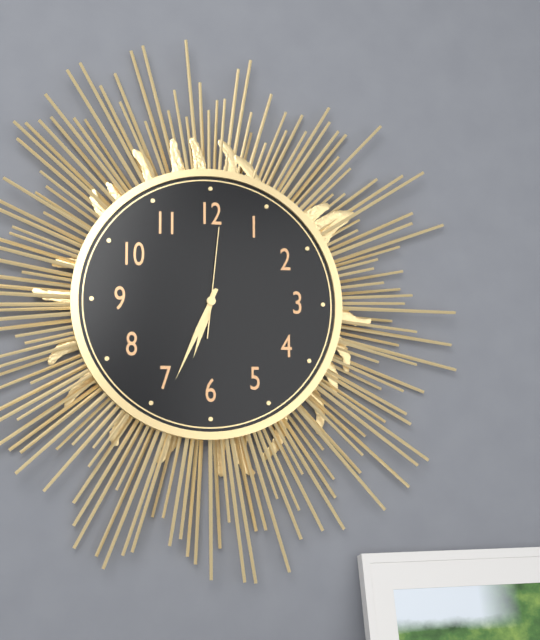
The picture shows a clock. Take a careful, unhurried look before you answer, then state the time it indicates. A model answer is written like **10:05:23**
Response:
**6:34:01**
